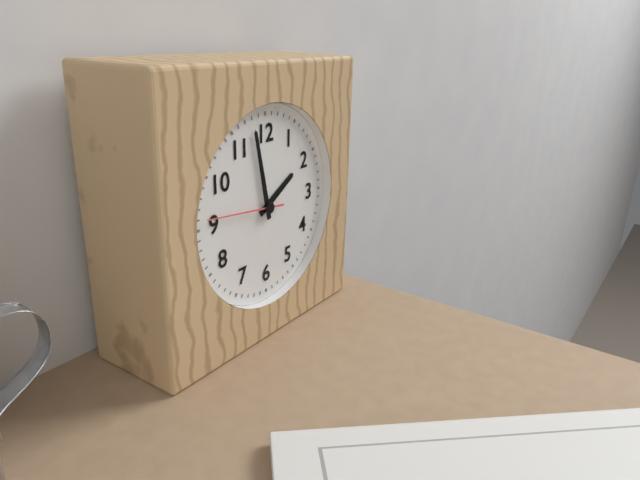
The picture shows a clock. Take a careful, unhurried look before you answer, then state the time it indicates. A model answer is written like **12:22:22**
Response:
**1:58:46**
